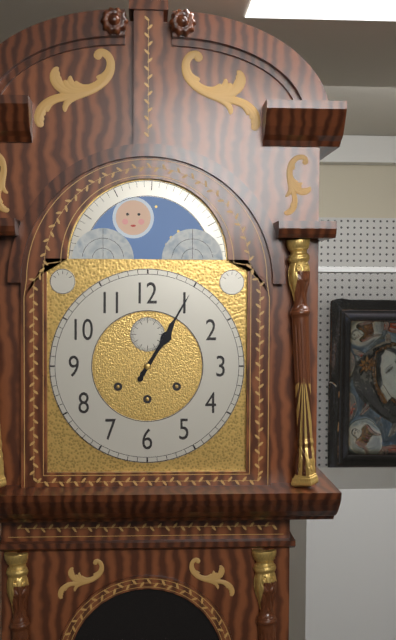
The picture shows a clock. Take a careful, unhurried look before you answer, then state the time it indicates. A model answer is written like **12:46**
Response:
**1:05**
